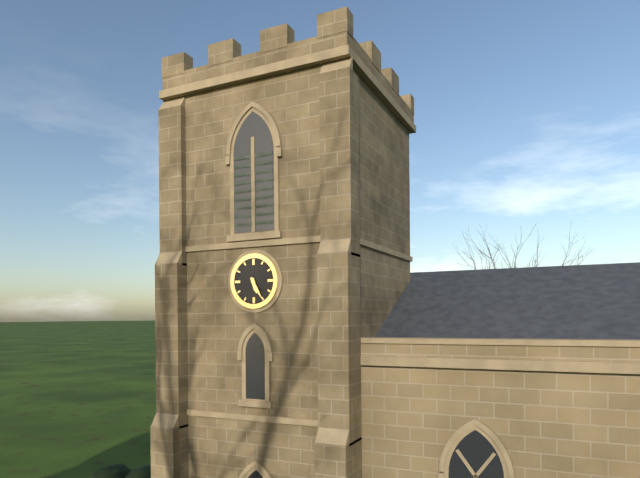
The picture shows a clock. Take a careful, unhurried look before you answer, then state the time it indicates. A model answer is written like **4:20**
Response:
**5:25**
